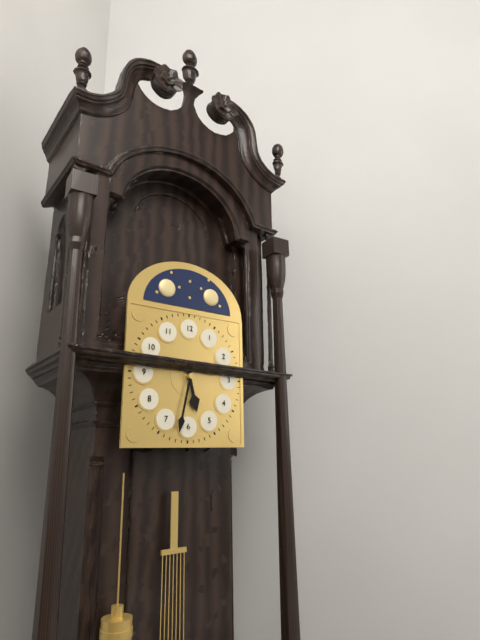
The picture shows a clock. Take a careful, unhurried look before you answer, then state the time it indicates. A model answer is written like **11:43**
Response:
**5:32**
